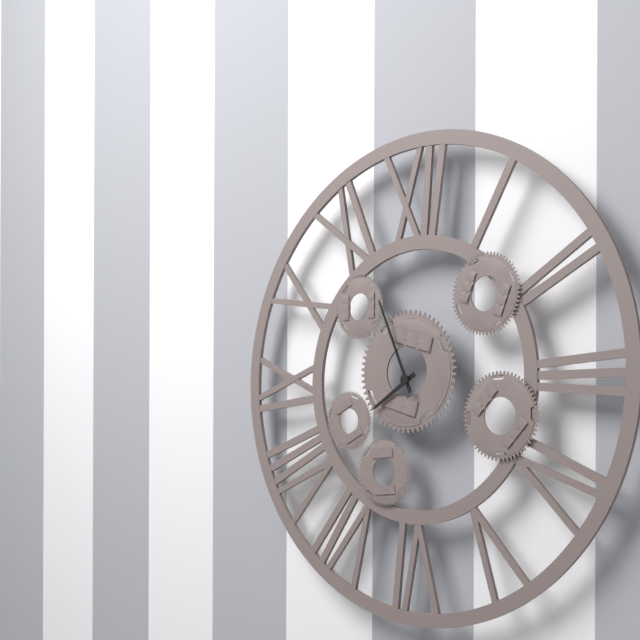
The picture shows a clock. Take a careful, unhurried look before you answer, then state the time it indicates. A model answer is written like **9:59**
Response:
**7:56**
